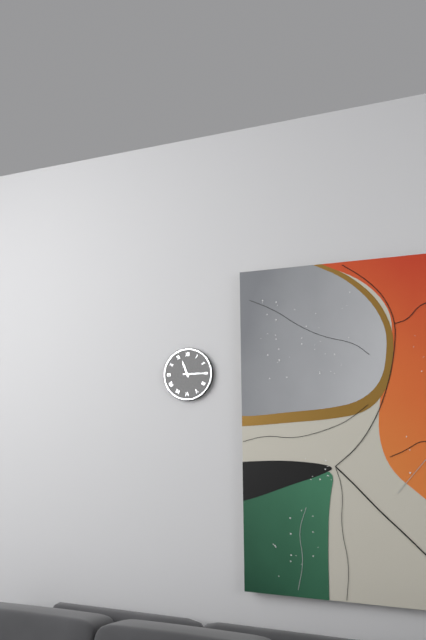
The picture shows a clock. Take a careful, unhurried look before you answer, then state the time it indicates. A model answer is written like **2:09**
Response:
**11:15**
